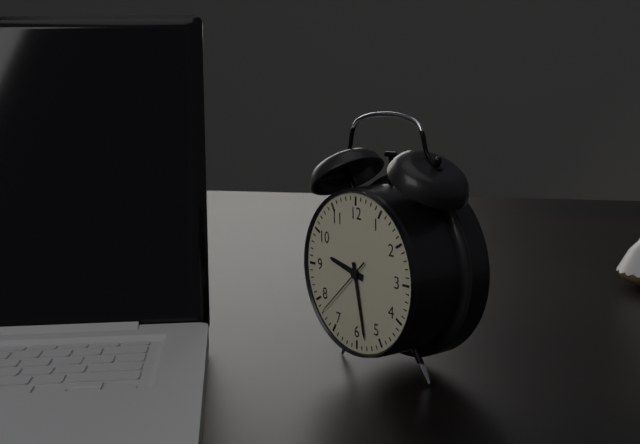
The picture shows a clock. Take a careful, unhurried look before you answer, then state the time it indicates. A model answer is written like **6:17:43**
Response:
**9:28:38**
